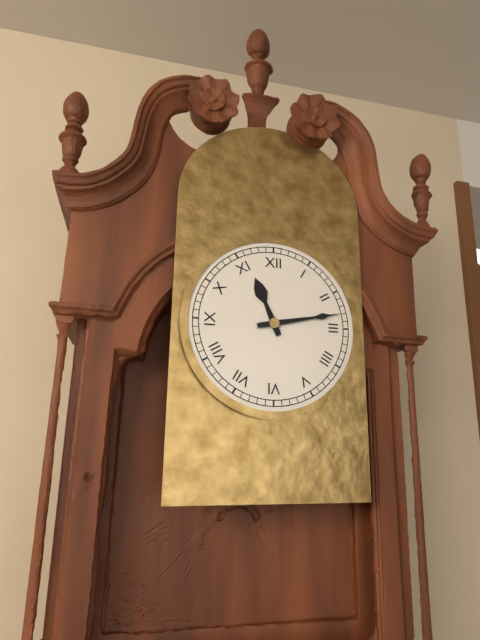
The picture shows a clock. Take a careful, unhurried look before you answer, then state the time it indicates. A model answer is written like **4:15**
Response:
**11:13**
